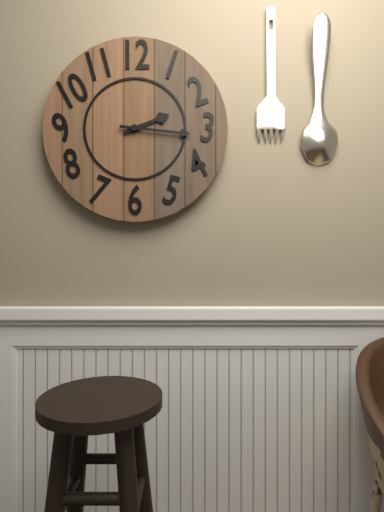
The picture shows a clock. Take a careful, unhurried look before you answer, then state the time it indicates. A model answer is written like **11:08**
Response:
**2:16**
